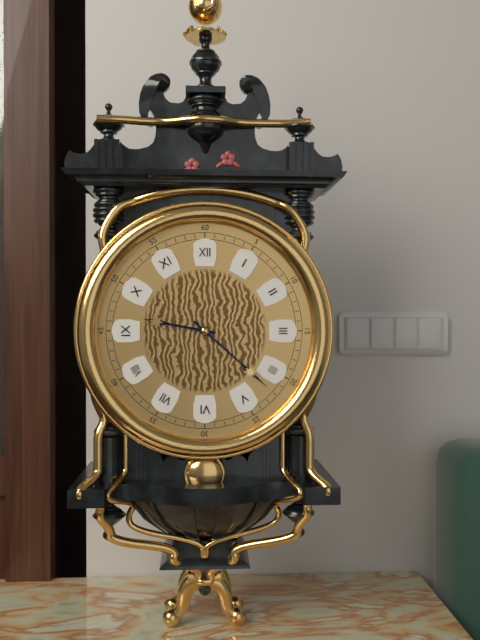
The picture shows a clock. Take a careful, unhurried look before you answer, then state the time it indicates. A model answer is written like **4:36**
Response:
**9:22**
